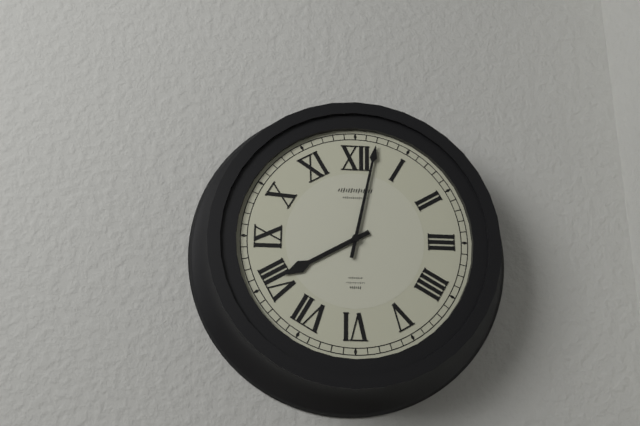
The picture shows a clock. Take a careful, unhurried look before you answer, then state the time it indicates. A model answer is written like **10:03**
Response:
**8:02**
